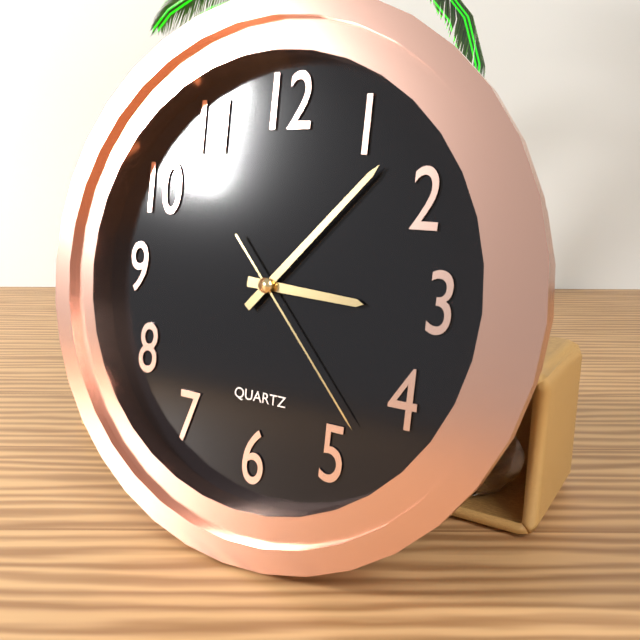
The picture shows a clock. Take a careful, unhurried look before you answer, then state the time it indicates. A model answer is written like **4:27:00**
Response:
**3:07:23**
